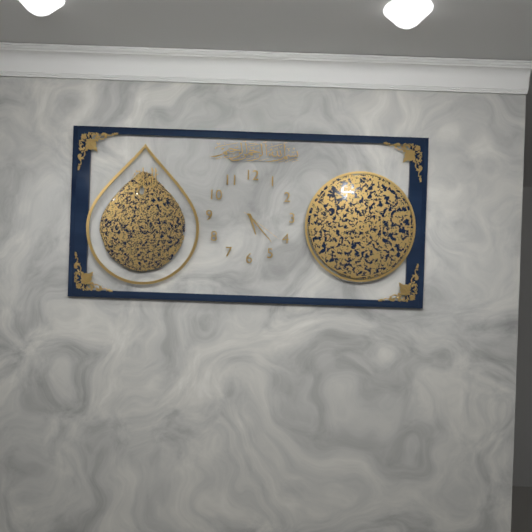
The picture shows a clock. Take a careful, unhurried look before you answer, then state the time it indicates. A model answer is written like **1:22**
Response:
**5:23**
